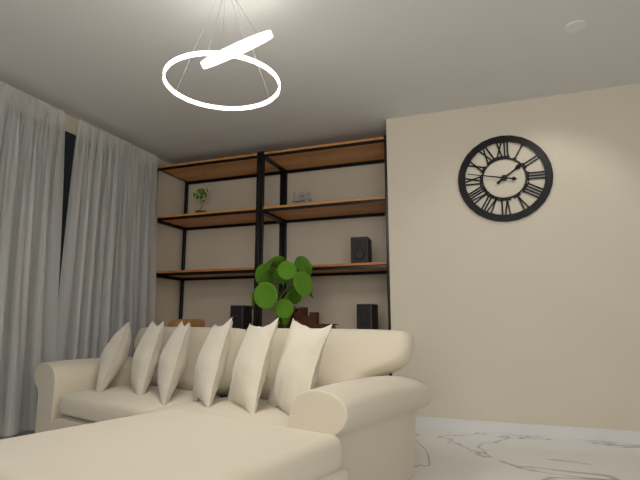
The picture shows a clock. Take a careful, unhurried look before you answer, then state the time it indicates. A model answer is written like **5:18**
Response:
**1:47**
